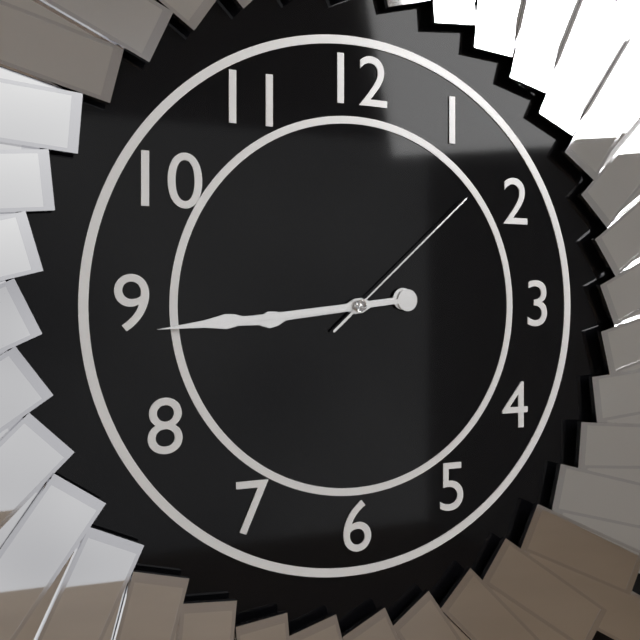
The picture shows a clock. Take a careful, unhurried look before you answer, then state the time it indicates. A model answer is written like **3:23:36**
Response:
**8:44:08**
